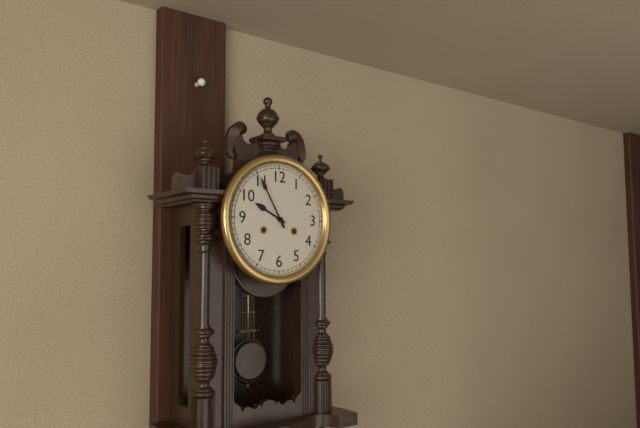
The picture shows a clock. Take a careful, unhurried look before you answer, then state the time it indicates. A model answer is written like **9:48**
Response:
**9:55**
